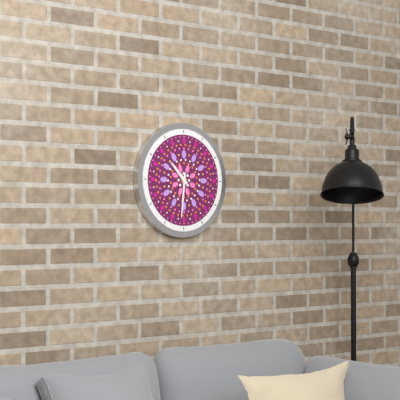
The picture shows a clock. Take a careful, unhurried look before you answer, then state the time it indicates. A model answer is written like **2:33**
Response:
**10:31**
